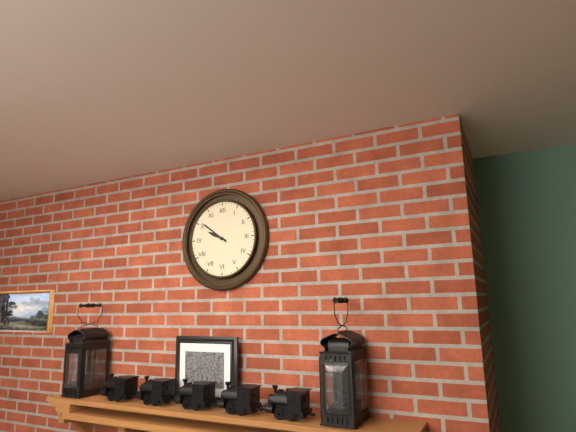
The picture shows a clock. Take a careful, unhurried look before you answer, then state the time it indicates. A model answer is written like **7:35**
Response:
**9:51**
